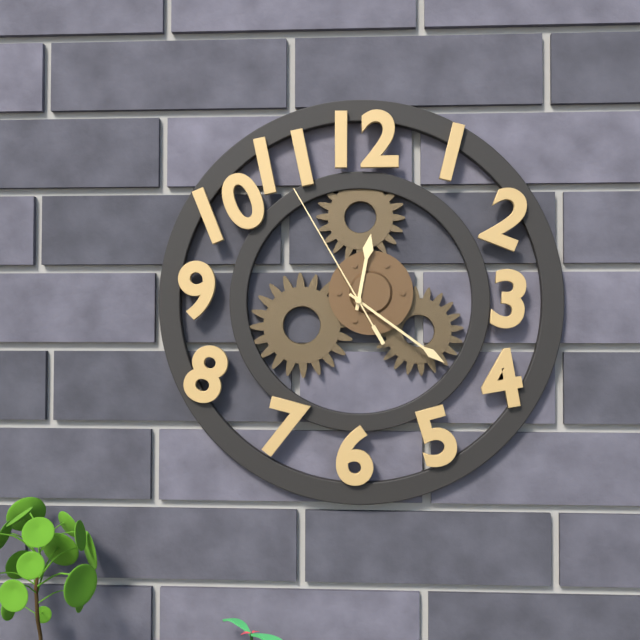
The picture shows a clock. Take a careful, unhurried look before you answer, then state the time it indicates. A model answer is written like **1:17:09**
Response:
**12:21:55**
